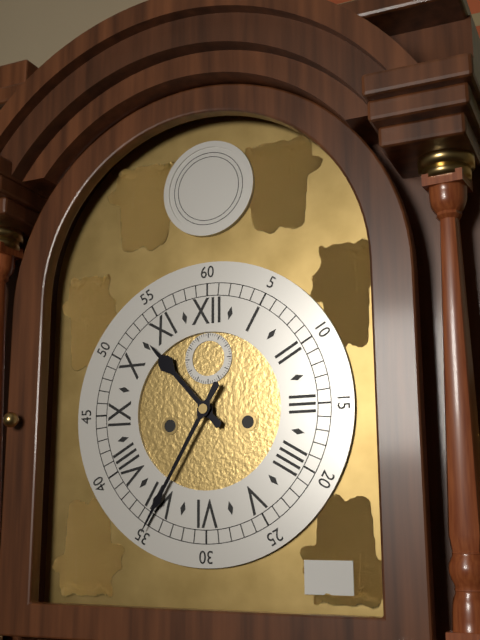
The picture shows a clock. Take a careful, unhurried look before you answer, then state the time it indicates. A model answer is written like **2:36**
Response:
**10:35**
